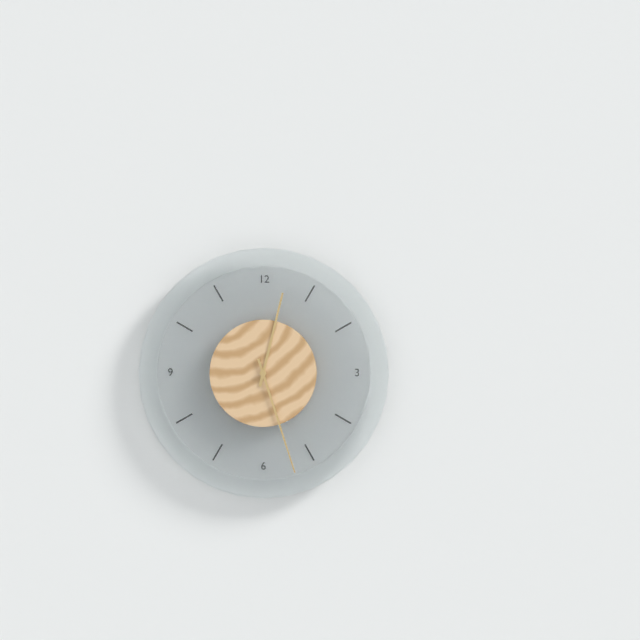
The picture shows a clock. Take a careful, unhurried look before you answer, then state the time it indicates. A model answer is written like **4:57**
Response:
**12:27**
